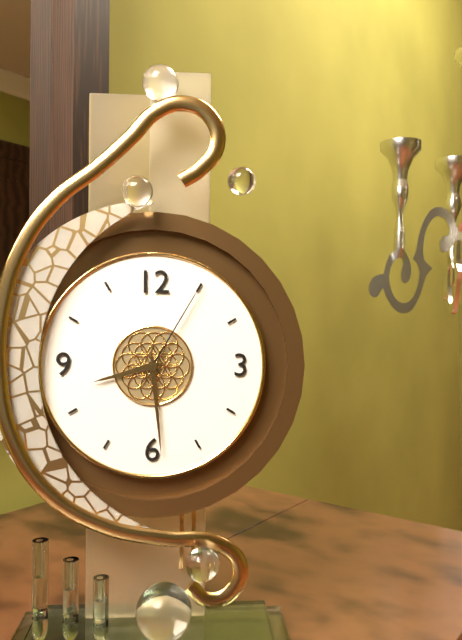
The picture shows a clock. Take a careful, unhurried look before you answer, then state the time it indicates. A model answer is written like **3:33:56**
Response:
**8:29:05**
